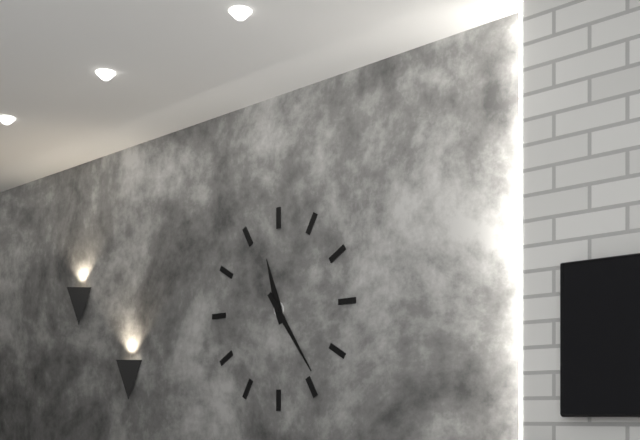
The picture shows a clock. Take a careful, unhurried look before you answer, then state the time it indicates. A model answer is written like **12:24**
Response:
**11:24**
